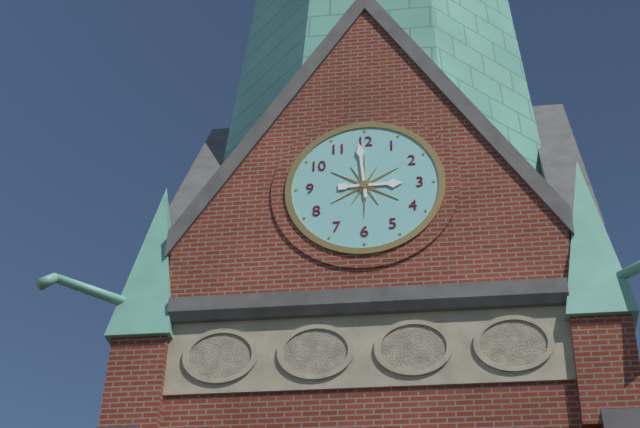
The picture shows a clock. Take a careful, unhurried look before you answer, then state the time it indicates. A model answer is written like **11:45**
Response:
**2:59**
